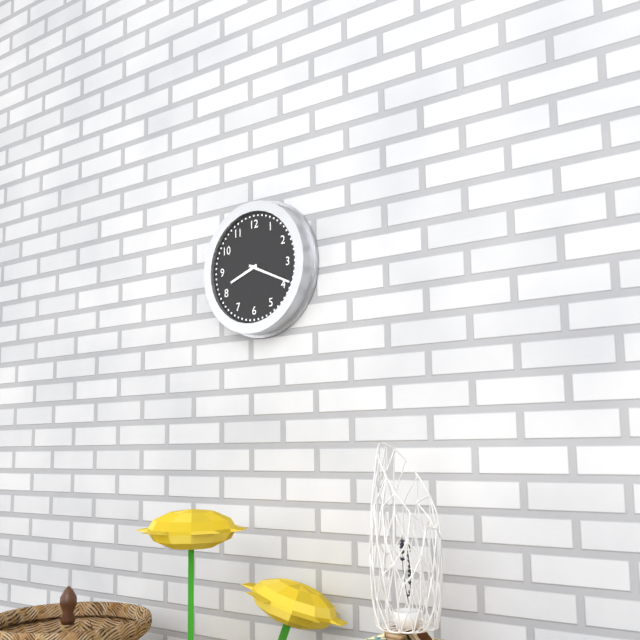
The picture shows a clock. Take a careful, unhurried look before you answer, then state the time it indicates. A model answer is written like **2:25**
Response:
**8:19**
